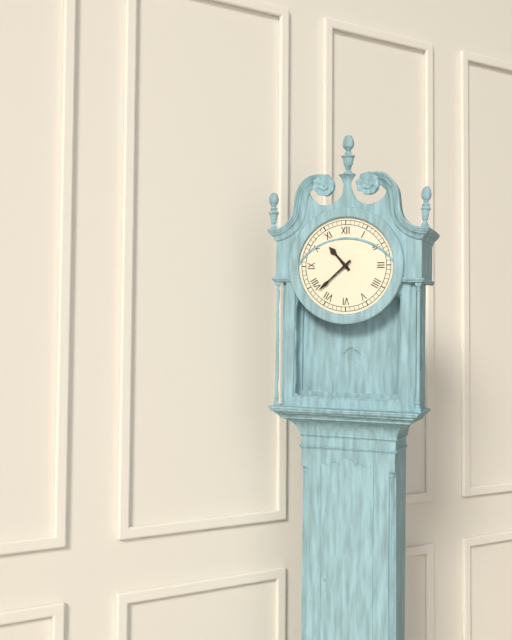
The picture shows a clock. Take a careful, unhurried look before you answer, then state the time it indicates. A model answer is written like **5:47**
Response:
**10:38**
